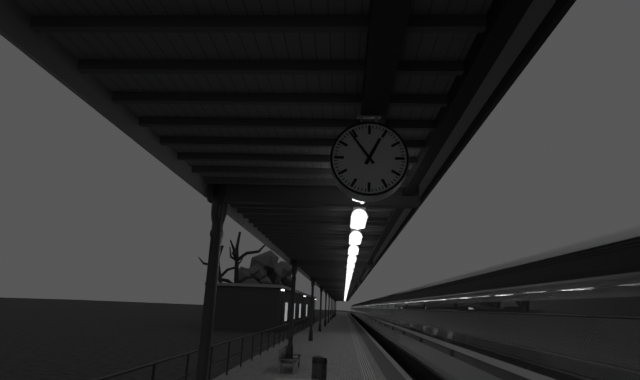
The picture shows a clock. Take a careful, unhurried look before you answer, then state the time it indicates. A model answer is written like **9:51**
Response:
**12:54**
